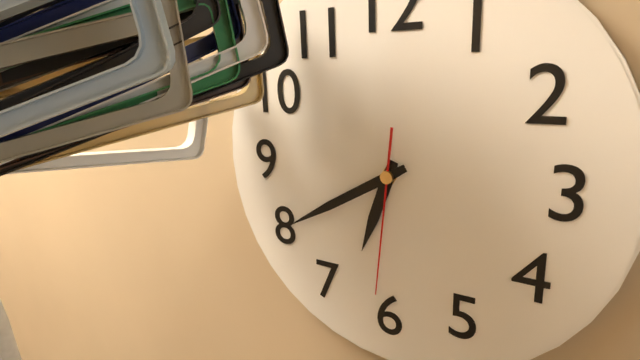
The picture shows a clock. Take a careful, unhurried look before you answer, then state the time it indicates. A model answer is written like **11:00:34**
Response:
**6:40:31**
